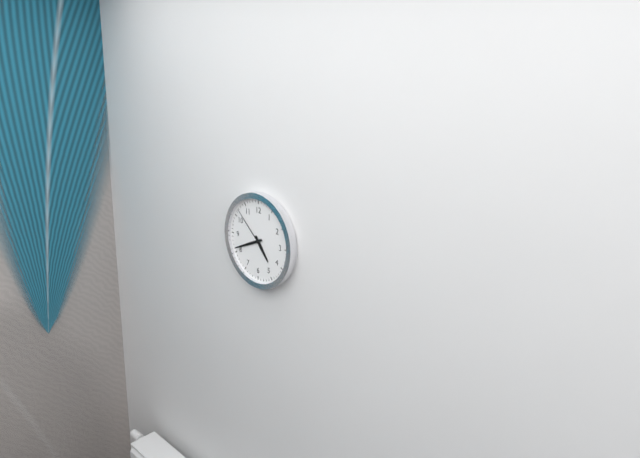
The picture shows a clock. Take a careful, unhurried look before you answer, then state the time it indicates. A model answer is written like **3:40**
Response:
**4:41**
